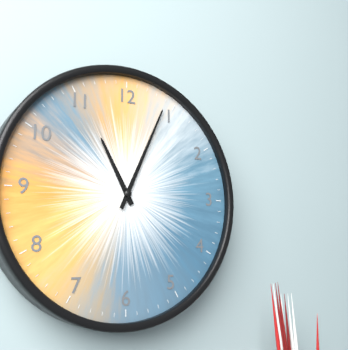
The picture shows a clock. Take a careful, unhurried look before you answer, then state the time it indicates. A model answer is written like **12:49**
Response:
**11:04**
